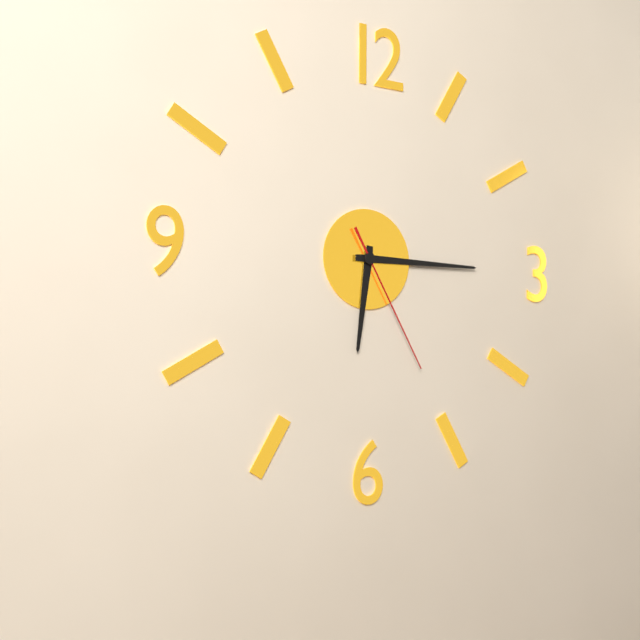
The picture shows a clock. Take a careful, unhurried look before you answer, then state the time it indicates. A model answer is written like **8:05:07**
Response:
**6:15:25**
